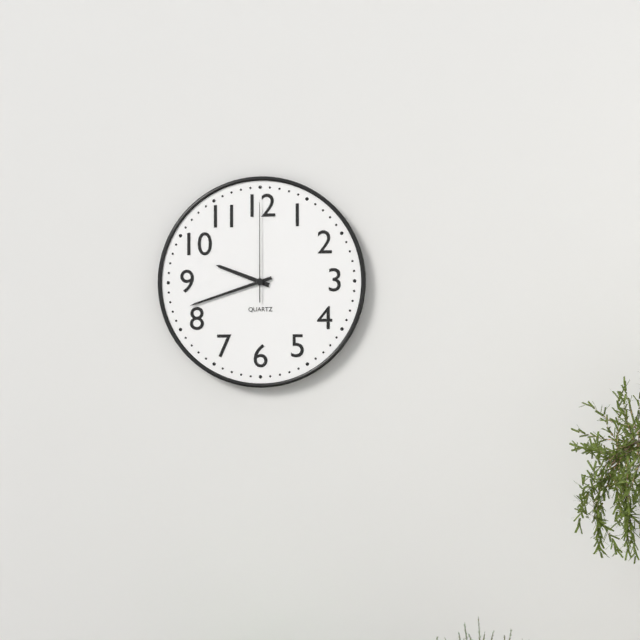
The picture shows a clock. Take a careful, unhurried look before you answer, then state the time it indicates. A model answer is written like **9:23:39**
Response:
**9:42:00**
